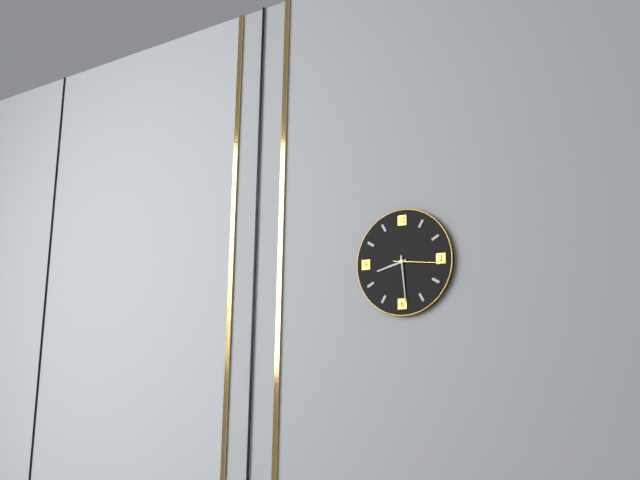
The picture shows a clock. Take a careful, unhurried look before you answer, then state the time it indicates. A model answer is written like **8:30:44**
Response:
**8:29:16**
